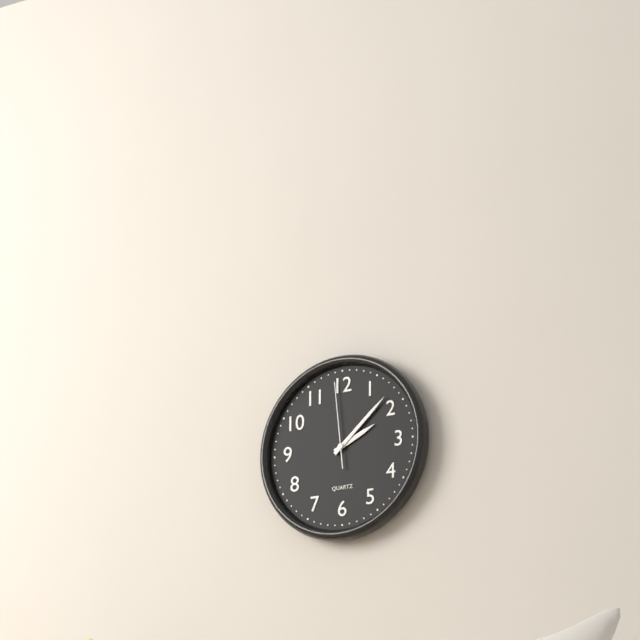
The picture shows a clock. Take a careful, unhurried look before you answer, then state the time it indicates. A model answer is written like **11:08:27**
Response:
**2:08:59**
